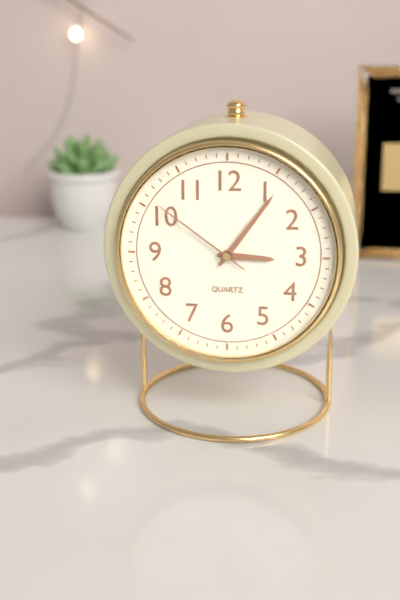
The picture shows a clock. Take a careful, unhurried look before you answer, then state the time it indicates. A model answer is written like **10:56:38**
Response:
**3:06:51**
